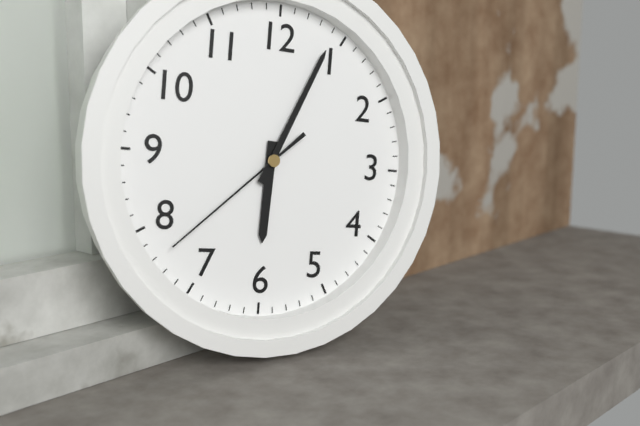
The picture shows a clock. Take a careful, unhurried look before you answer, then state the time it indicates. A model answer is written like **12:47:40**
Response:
**6:04:38**
